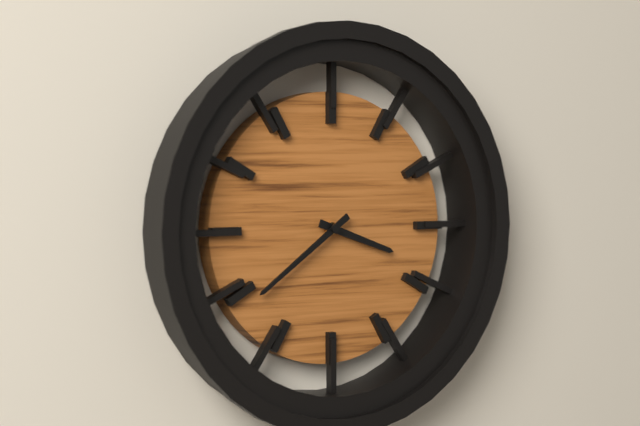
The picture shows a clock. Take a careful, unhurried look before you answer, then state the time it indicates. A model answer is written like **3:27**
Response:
**3:39**
